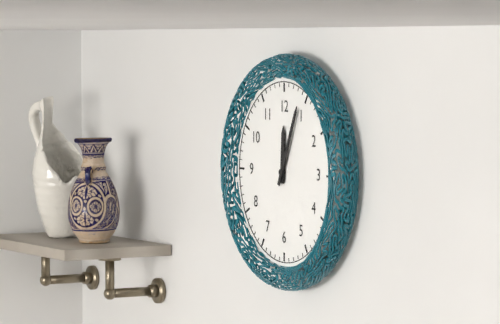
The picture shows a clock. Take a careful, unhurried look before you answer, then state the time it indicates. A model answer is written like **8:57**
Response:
**12:04**
